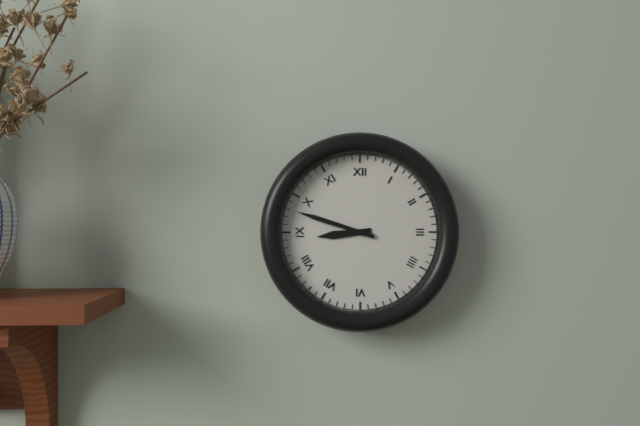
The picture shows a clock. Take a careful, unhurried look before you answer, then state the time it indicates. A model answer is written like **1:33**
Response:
**8:48**
